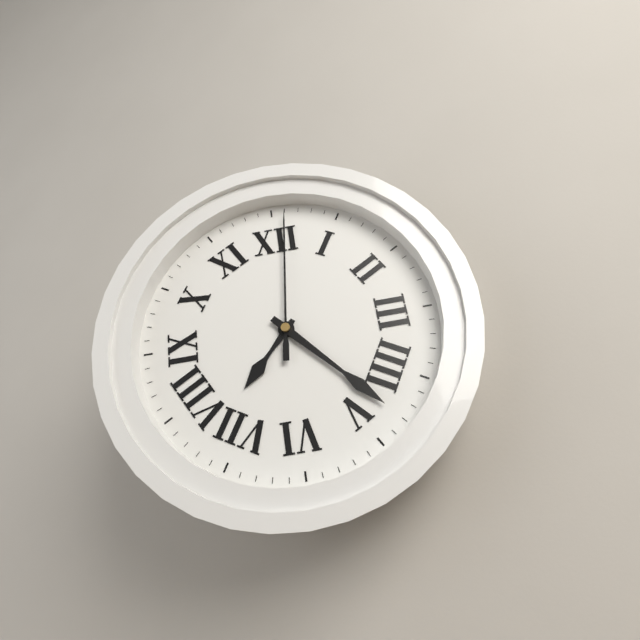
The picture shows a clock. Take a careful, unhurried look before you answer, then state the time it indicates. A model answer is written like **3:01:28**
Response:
**7:23:01**
